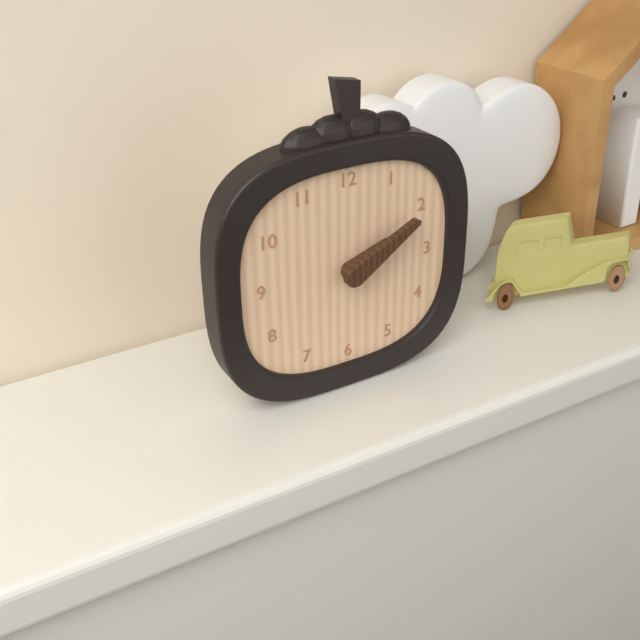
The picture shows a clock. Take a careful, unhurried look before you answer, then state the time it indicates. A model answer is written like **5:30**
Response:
**2:10**
